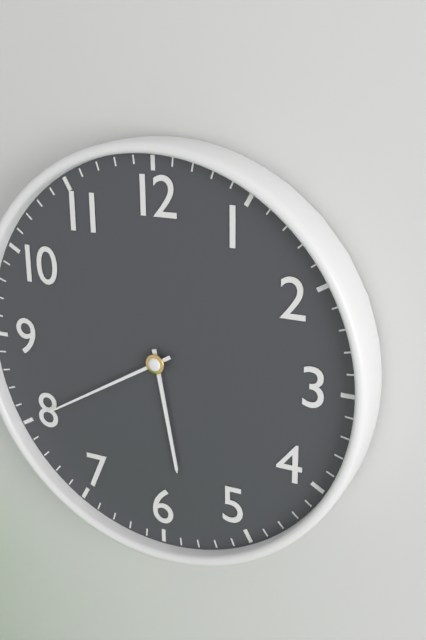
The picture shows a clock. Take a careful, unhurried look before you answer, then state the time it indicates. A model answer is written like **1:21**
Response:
**5:40**
